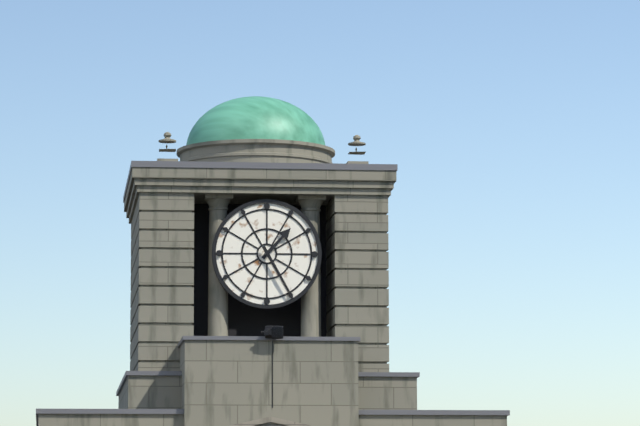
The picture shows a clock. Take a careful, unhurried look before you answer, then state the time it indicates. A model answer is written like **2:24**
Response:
**1:25**
